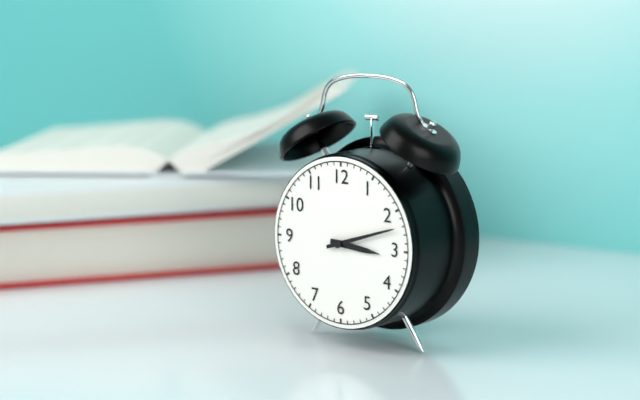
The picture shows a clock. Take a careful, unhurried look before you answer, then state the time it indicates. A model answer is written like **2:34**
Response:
**3:12**
